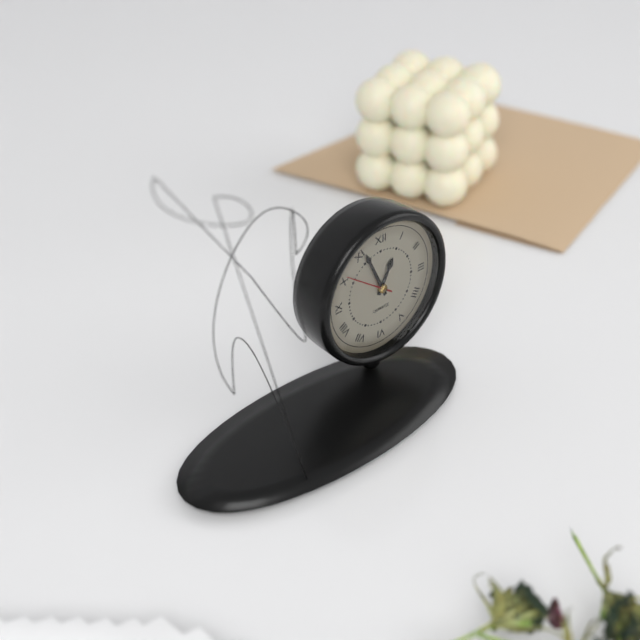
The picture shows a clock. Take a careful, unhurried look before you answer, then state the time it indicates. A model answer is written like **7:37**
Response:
**12:56**
